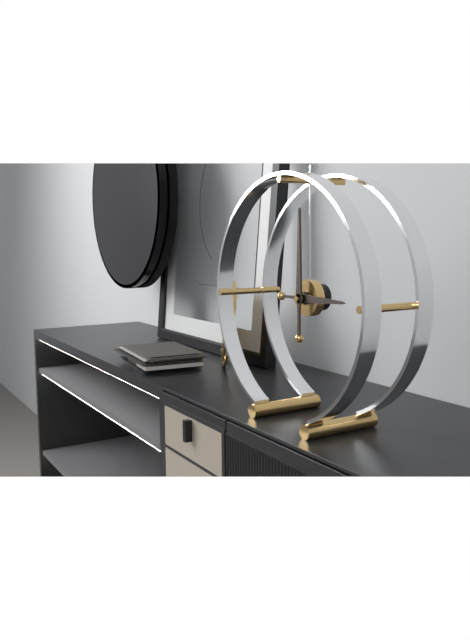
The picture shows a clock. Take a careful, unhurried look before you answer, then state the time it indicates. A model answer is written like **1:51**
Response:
**3:00**
